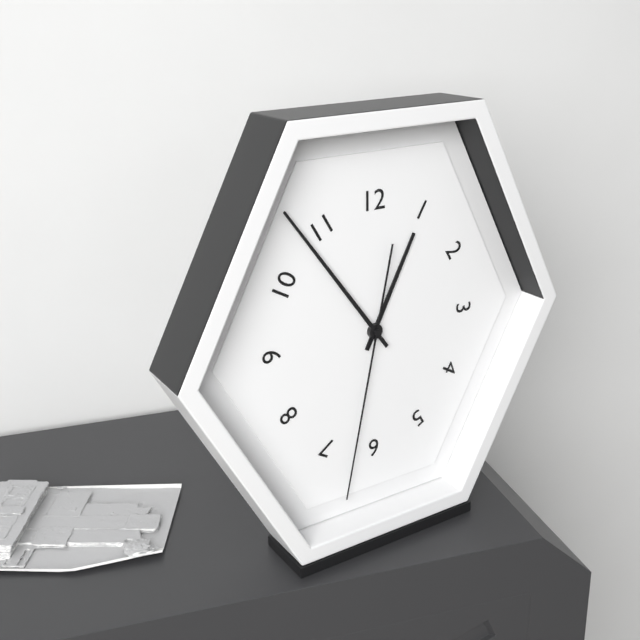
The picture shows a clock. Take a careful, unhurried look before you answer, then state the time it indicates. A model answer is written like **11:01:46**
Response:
**12:54:32**
